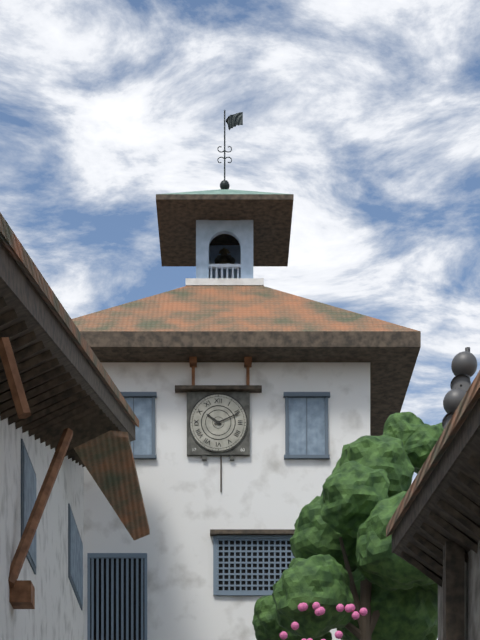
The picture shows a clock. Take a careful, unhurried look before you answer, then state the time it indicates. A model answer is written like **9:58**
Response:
**10:11**
